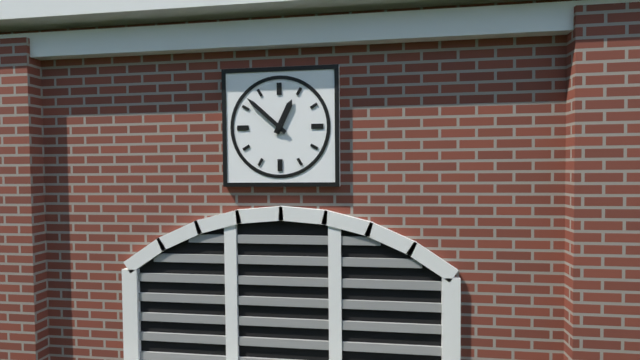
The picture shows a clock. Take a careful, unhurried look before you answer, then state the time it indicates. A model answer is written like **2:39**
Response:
**12:52**
